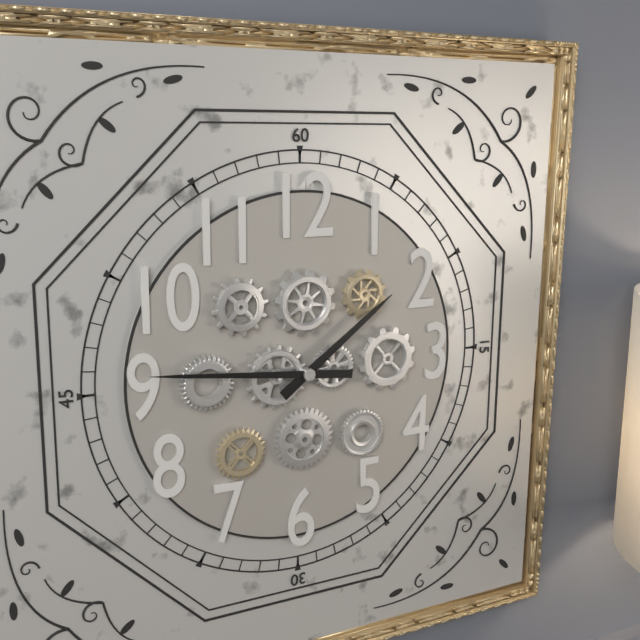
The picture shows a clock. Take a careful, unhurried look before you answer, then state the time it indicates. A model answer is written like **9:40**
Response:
**1:46**
